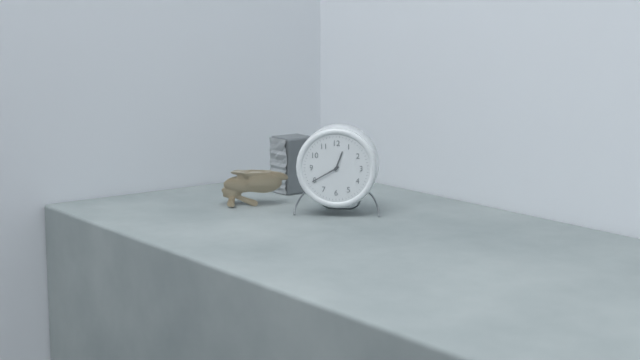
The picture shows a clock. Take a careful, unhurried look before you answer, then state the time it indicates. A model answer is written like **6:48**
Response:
**12:40**
